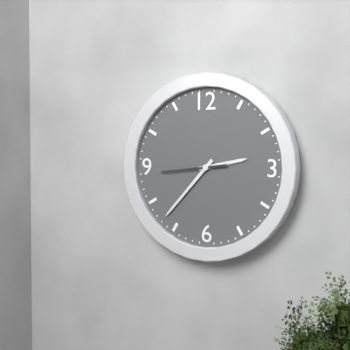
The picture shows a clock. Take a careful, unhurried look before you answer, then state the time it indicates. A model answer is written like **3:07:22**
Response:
**2:37:44**
